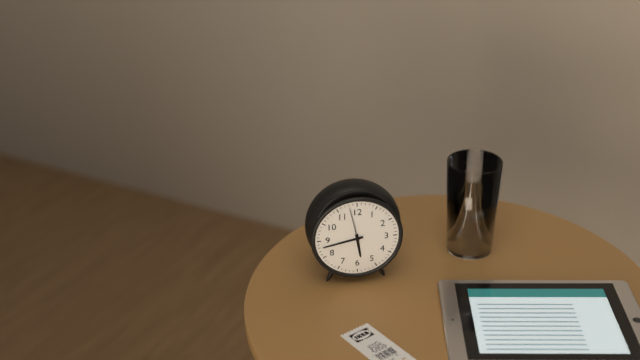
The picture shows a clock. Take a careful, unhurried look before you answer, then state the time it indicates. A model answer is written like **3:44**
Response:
**5:43**
